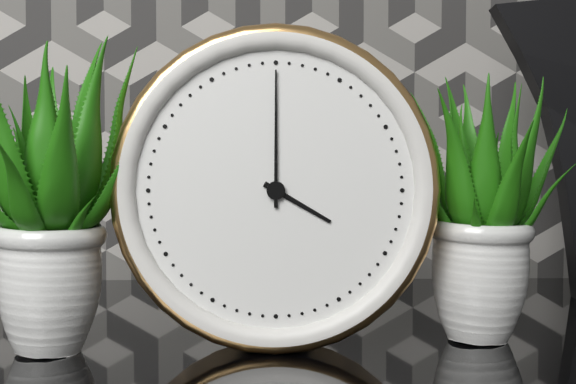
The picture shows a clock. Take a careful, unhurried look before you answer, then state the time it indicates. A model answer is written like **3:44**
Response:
**4:00**
